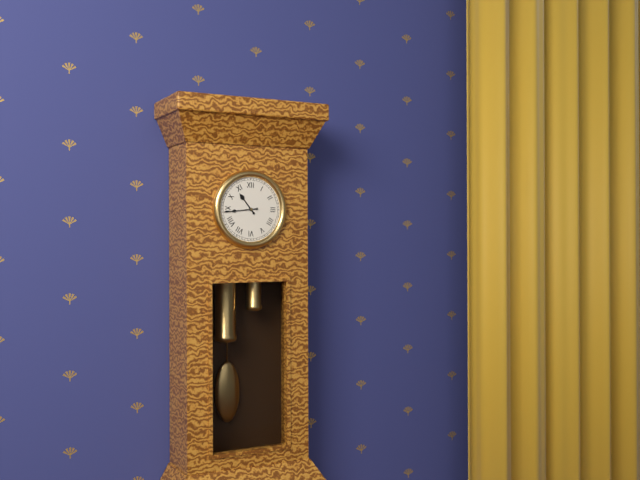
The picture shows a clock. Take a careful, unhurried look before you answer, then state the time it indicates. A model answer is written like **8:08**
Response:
**10:44**
